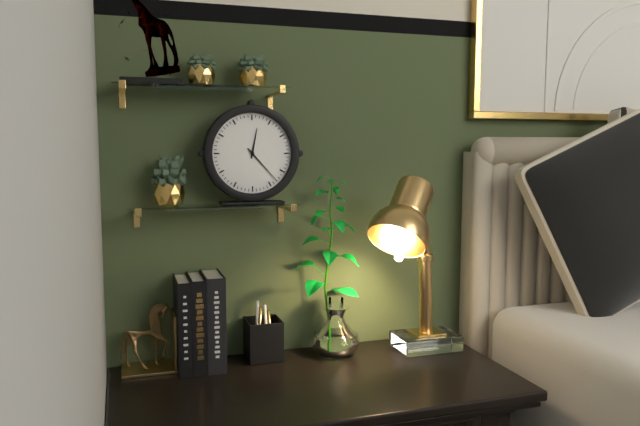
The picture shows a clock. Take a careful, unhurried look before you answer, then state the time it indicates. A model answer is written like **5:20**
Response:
**12:23**
